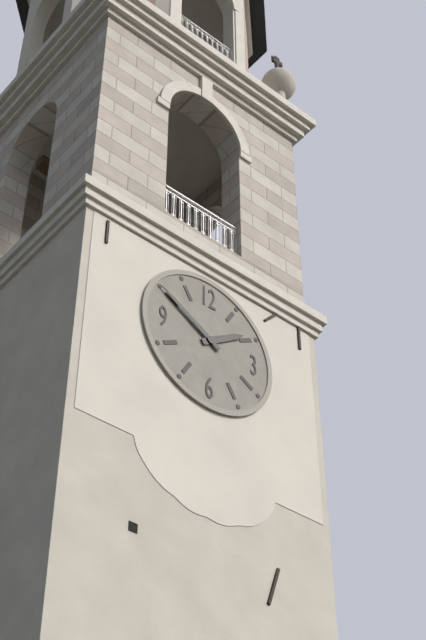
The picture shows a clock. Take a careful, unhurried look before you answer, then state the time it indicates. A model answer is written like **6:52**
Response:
**1:50**
